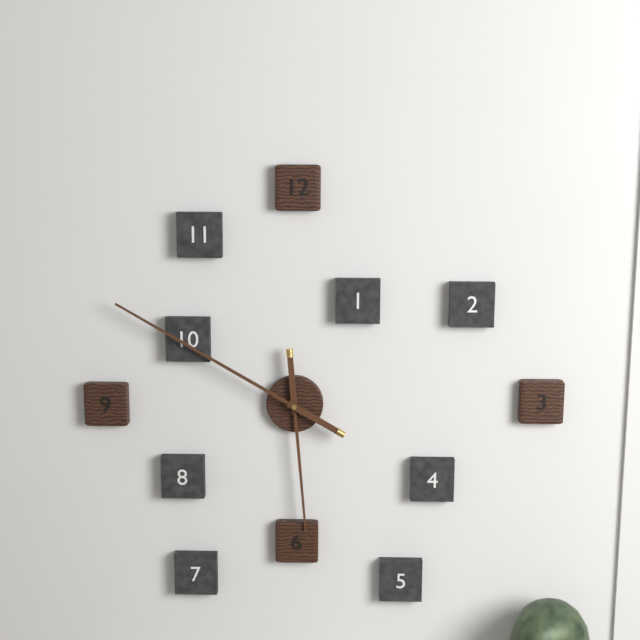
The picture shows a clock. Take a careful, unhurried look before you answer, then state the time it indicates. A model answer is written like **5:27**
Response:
**5:50**
